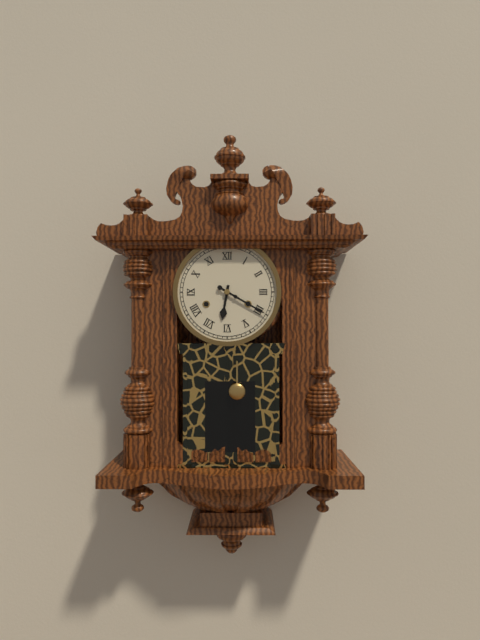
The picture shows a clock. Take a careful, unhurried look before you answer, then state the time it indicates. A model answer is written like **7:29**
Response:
**6:20**
